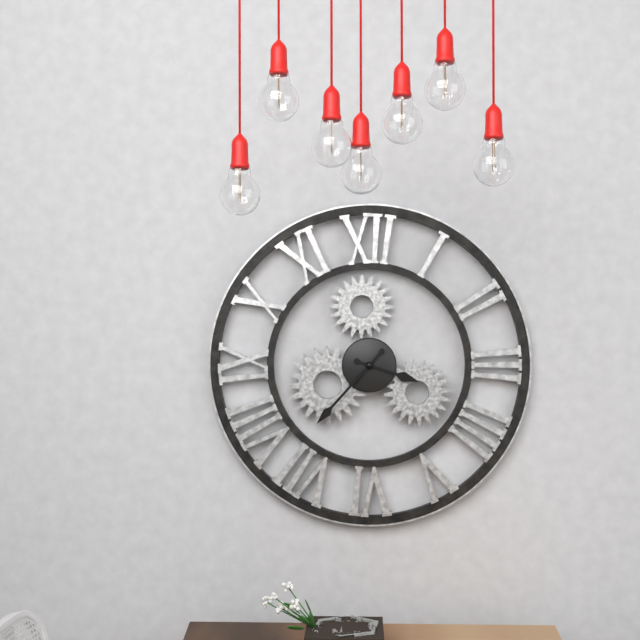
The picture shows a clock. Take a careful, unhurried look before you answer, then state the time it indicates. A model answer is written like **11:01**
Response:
**3:37**
